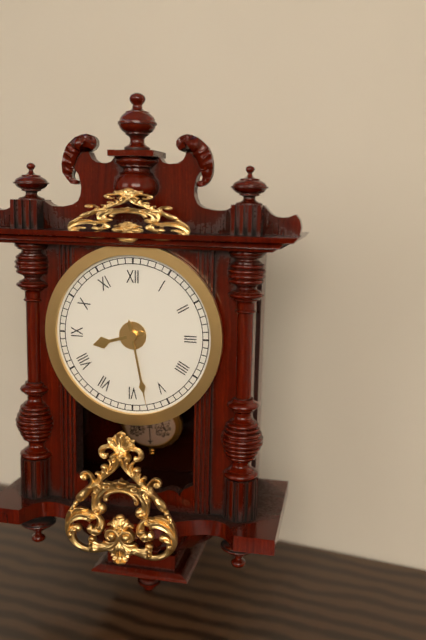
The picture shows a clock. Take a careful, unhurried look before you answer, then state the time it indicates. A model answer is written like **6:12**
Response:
**8:28**
